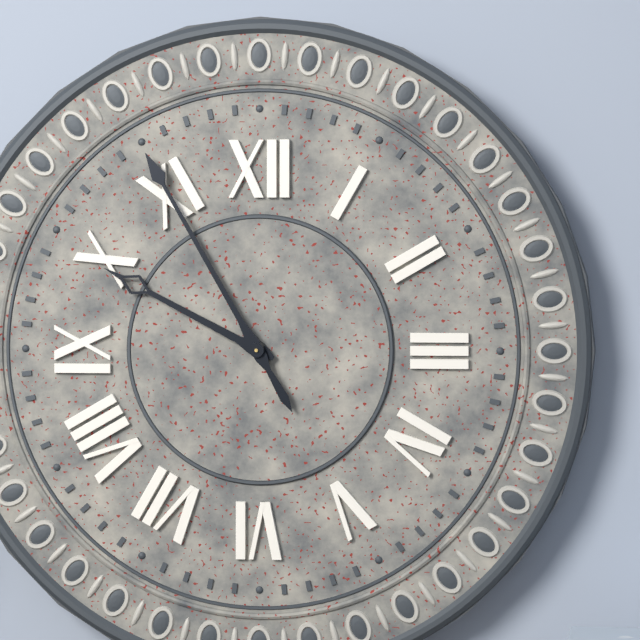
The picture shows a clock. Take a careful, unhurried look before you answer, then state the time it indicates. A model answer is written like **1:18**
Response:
**9:55**
